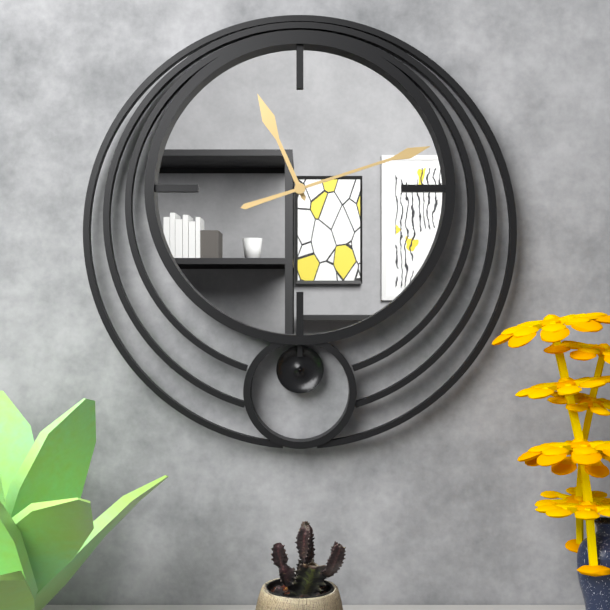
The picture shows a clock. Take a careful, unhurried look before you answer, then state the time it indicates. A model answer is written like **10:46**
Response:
**11:12**
